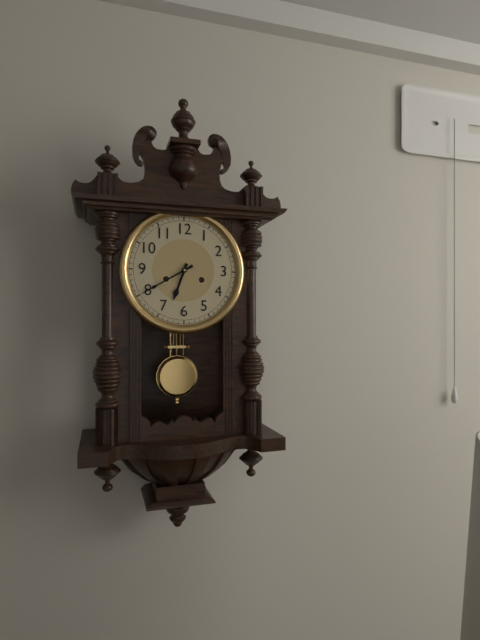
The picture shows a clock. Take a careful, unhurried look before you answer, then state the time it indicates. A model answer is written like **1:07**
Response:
**6:40**
